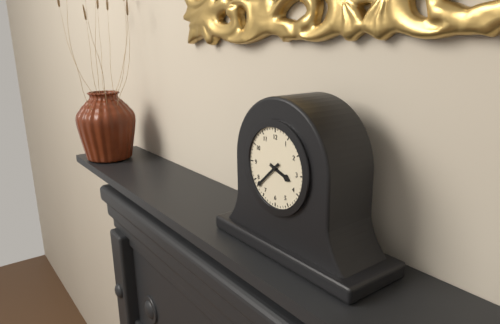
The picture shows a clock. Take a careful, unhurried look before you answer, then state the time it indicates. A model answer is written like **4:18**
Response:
**3:38**
